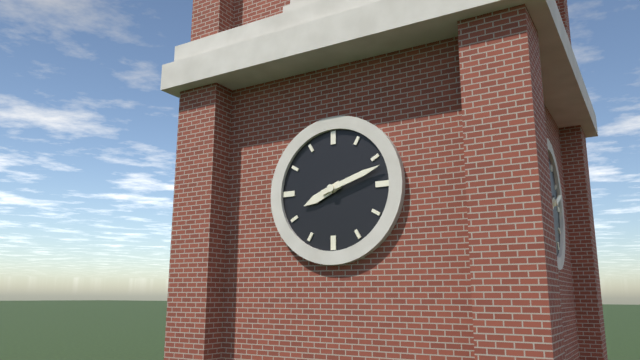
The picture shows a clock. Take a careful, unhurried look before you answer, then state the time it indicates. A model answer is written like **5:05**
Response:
**8:12**
